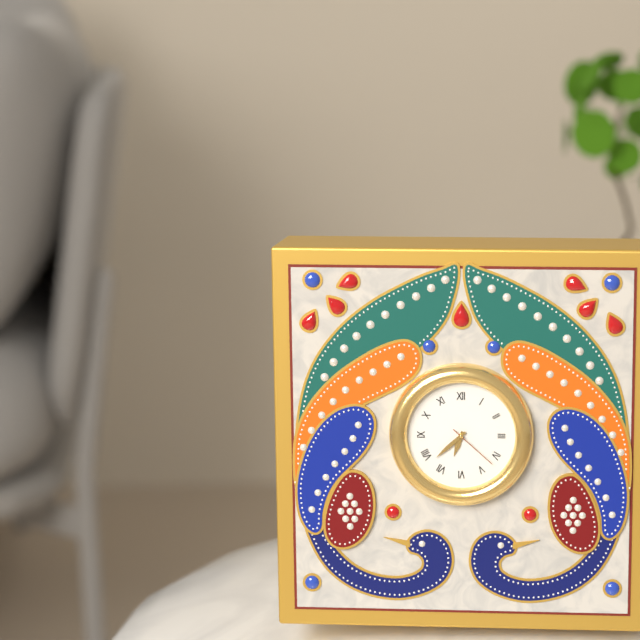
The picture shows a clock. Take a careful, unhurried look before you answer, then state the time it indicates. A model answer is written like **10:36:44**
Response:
**6:38:22**
